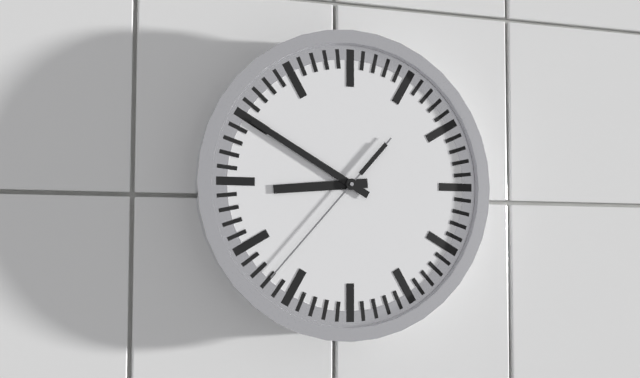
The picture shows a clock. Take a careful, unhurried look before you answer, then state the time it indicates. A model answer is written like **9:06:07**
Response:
**8:50:37**
